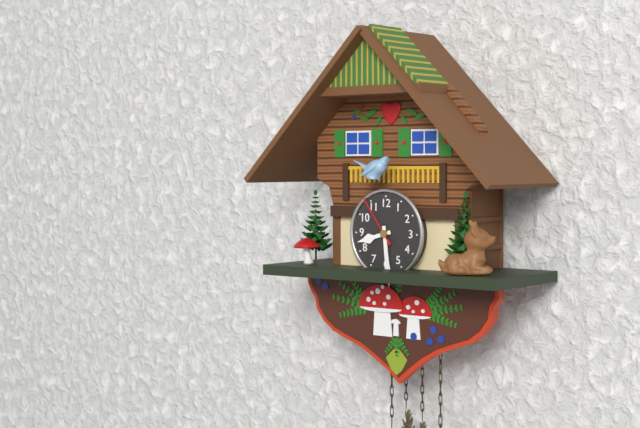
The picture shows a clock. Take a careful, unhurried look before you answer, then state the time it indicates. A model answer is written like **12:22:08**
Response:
**8:29:54**
